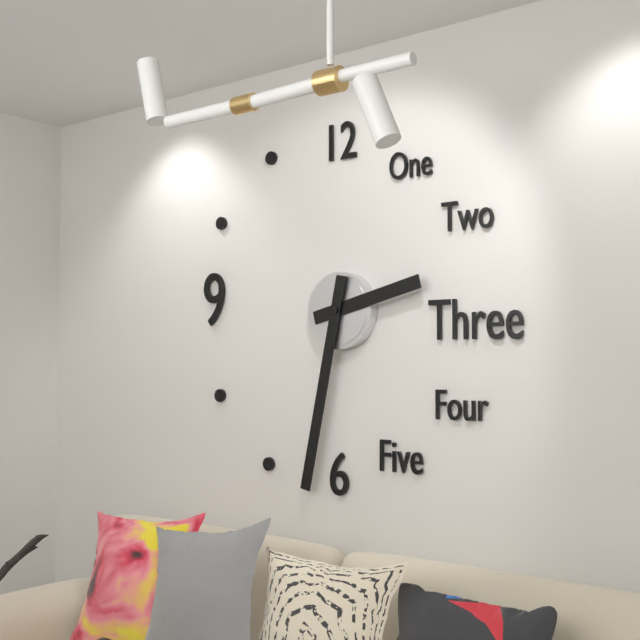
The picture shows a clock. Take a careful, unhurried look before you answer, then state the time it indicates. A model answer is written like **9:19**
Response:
**2:32**
